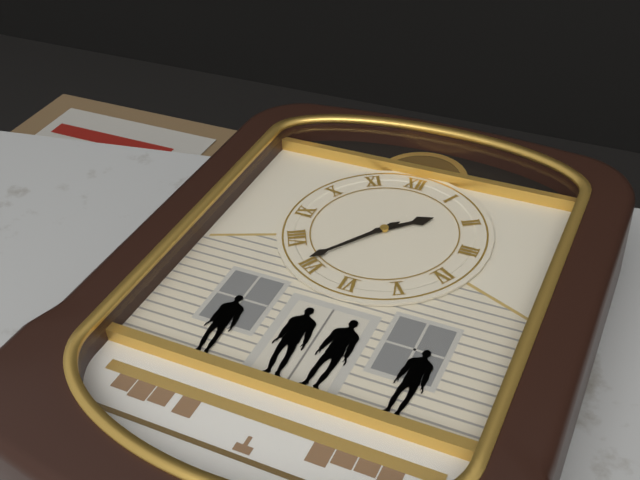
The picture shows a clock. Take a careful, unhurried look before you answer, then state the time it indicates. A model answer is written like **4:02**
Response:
**1:36**
